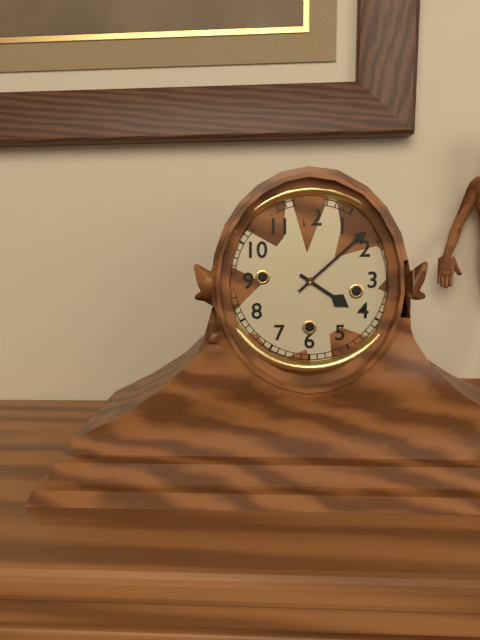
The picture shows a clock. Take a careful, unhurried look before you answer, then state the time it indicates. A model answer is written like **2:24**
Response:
**4:08**
